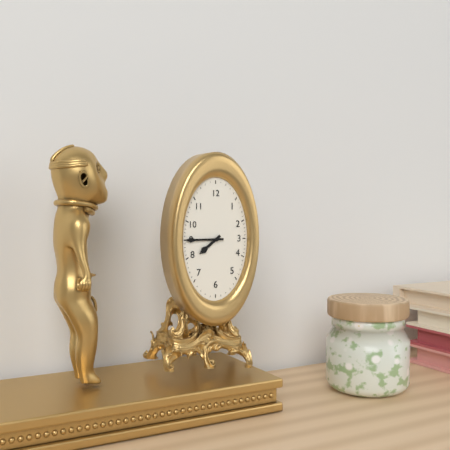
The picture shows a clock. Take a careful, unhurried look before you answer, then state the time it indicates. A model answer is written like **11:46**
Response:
**7:45**
